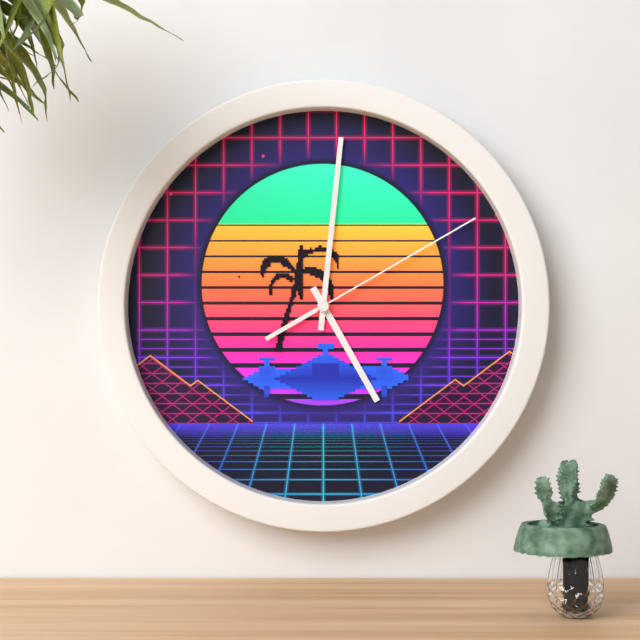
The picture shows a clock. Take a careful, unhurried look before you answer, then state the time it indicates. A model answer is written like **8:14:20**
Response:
**5:01:10**
